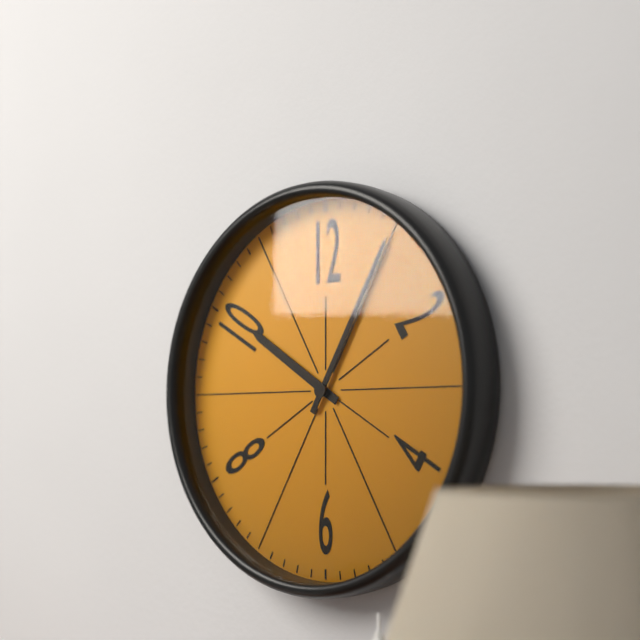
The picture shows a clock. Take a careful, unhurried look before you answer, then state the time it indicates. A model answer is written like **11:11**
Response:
**10:05**
